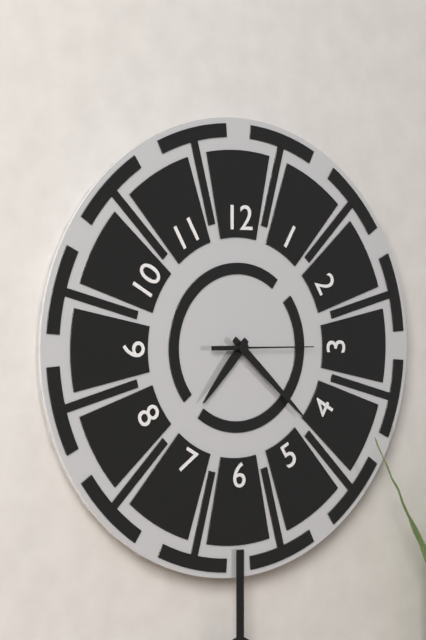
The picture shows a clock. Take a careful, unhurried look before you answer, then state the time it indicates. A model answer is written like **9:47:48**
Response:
**7:22:15**
